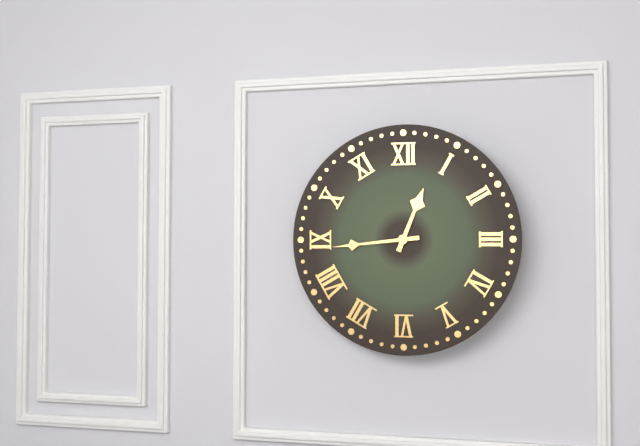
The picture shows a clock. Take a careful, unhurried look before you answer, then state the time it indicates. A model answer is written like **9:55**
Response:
**12:44**
